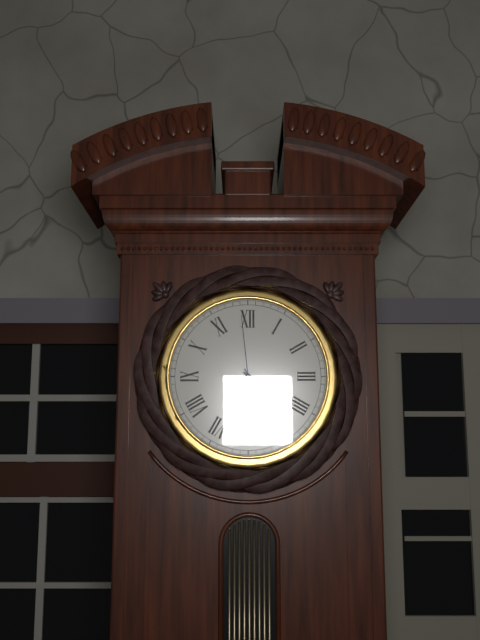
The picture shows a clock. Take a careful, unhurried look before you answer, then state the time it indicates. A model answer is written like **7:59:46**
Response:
**4:26:59**
